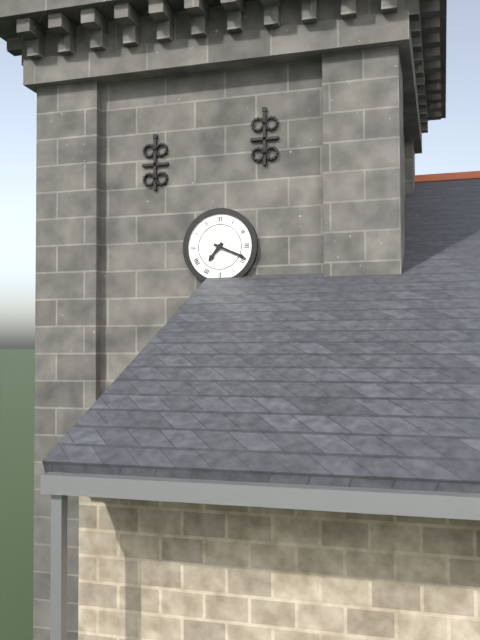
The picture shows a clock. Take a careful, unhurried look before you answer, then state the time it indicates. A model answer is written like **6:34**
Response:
**7:19**
